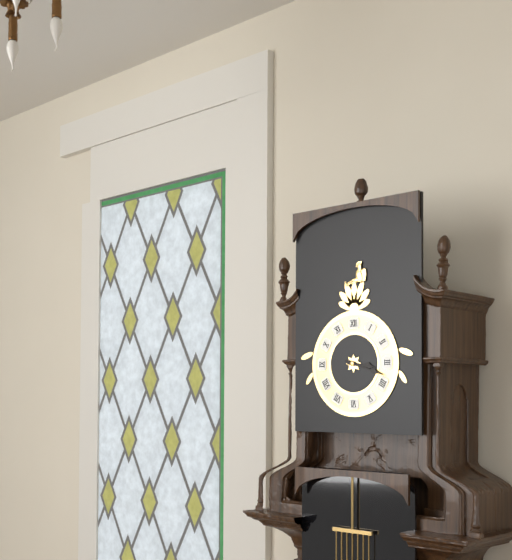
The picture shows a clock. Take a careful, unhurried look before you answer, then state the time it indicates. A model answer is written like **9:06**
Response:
**3:18**
